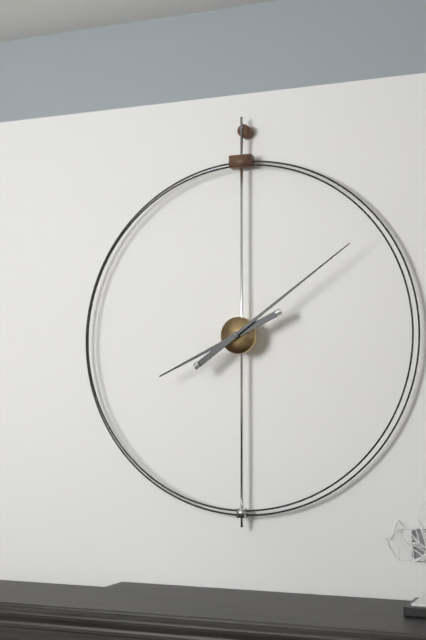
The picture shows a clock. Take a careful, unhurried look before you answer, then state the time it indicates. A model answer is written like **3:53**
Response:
**8:09**
